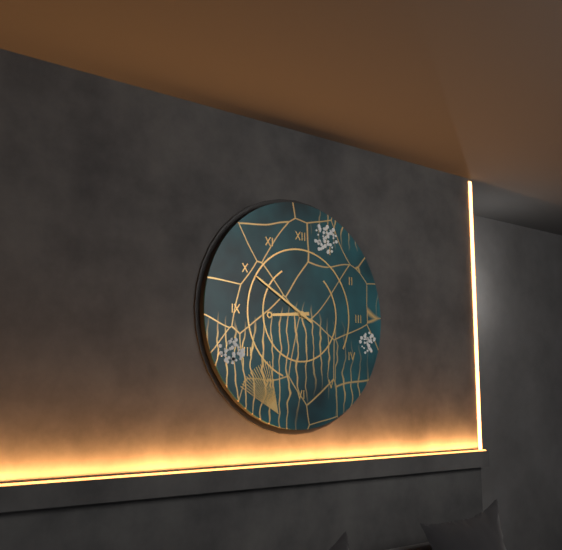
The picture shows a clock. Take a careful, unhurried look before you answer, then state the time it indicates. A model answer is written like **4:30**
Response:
**8:50**
